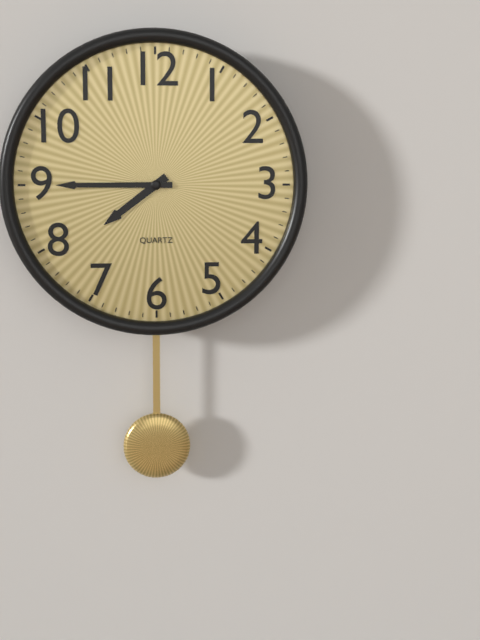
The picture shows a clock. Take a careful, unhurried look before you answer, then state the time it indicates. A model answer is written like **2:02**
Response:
**7:45**
